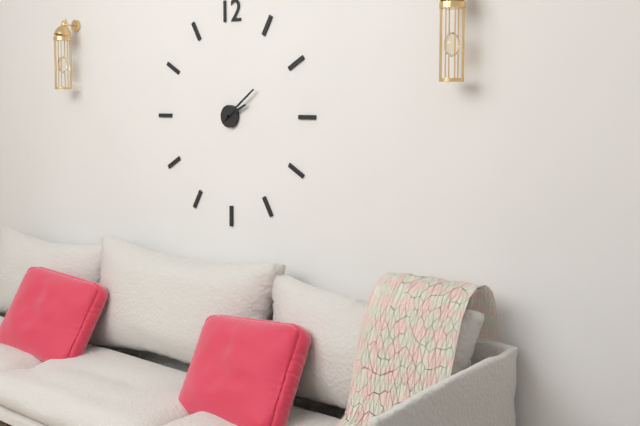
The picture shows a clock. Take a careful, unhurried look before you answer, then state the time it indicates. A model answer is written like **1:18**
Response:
**2:09**
